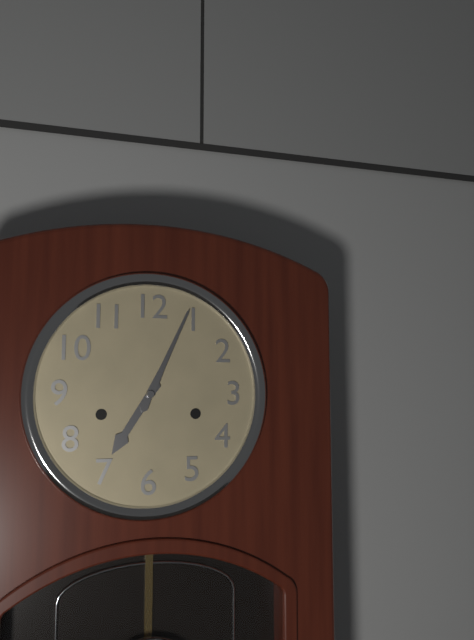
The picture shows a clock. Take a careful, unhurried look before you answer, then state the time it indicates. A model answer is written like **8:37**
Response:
**7:04**
